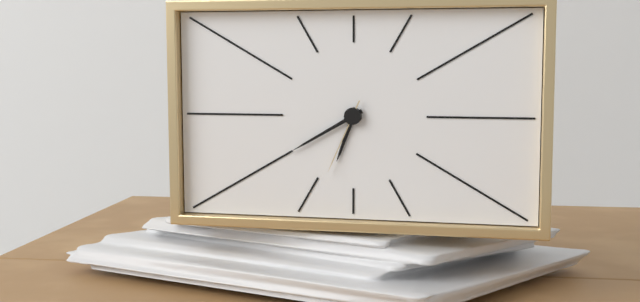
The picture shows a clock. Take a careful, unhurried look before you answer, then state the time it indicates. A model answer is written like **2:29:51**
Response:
**6:40:34**
